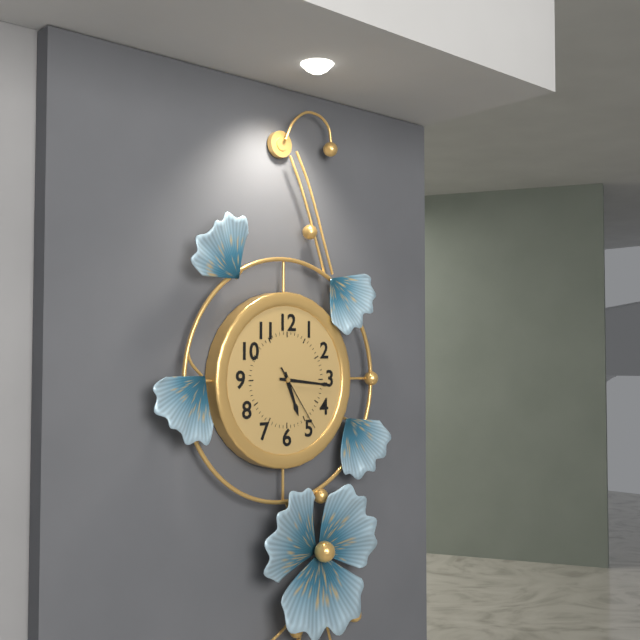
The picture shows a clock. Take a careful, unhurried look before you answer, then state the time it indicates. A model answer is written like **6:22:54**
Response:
**5:16:24**
